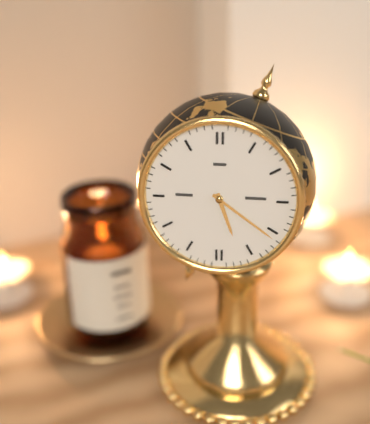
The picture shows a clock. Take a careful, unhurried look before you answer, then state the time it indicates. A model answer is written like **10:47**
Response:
**5:21**
